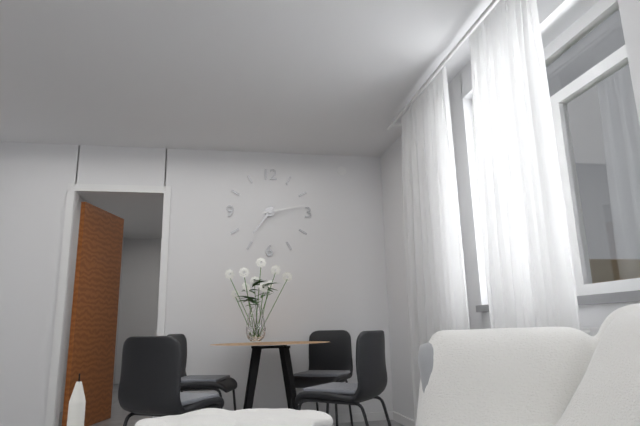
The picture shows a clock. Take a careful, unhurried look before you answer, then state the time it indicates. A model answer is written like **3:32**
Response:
**7:13**
